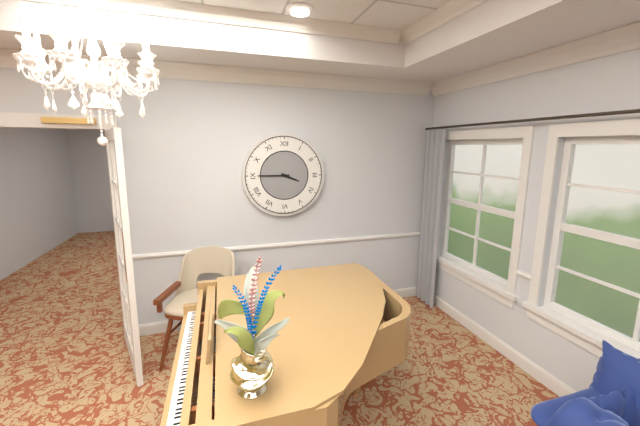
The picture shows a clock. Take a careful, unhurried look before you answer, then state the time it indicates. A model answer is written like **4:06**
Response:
**3:45**
